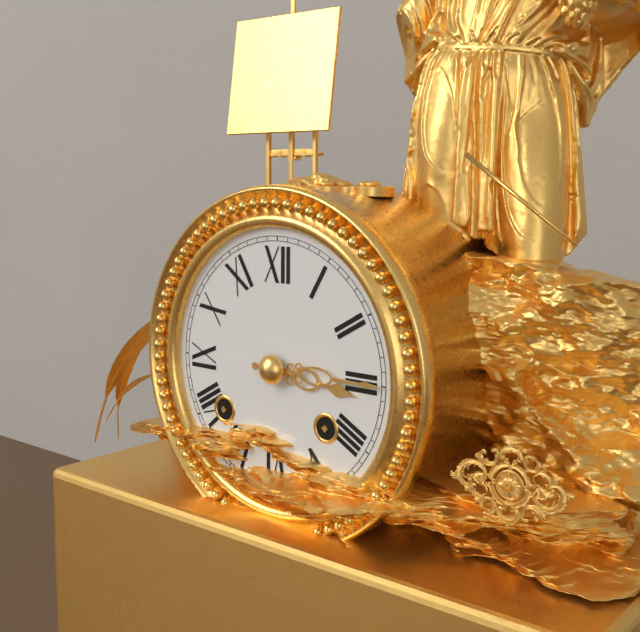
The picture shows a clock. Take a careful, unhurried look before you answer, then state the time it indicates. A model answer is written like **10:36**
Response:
**3:15**
